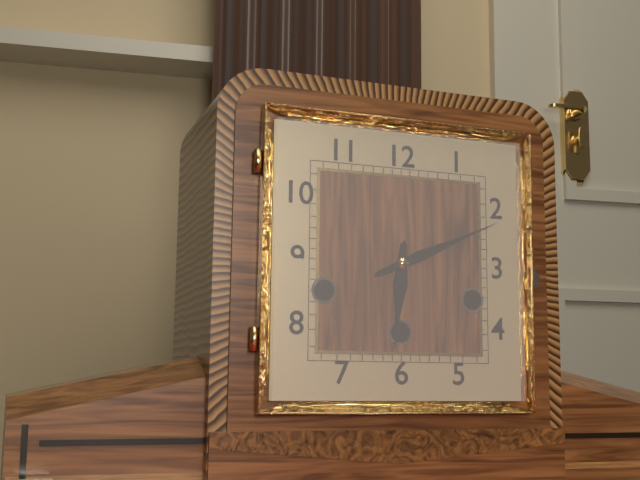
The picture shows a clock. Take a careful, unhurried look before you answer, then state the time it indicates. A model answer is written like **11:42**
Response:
**6:11**
